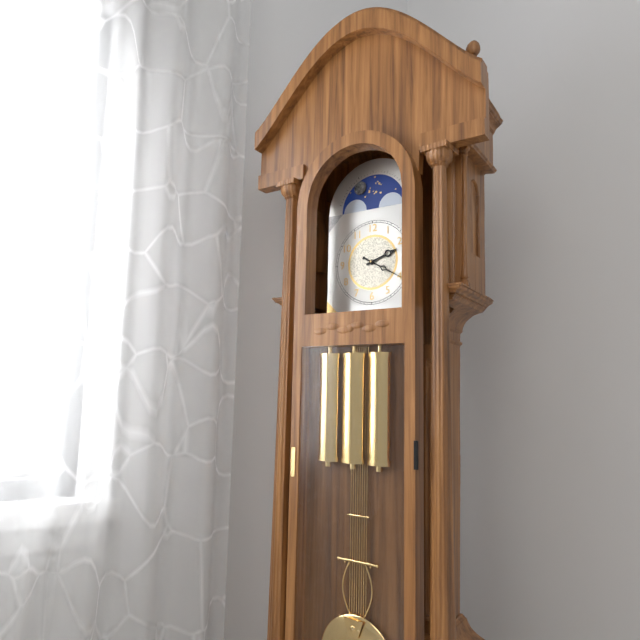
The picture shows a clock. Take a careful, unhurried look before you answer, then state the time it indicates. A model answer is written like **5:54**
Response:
**2:20**
